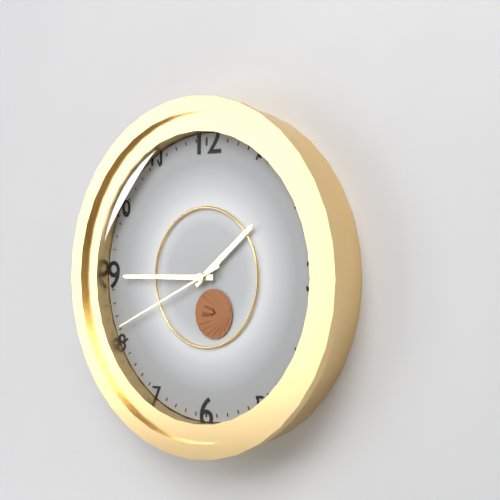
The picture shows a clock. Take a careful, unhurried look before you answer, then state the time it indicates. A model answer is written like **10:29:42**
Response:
**1:45:41**
